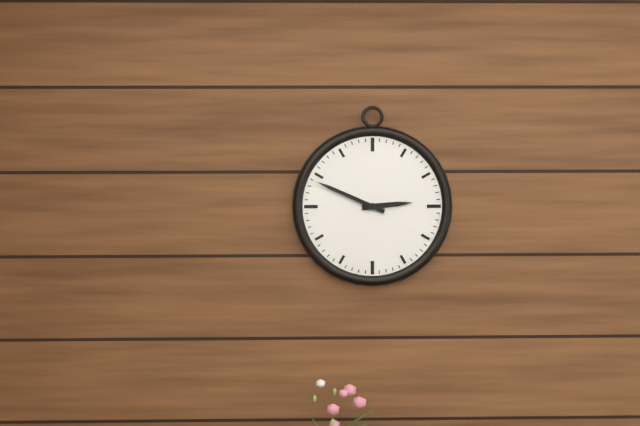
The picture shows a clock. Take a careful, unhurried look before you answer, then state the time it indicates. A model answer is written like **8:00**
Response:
**2:49**
